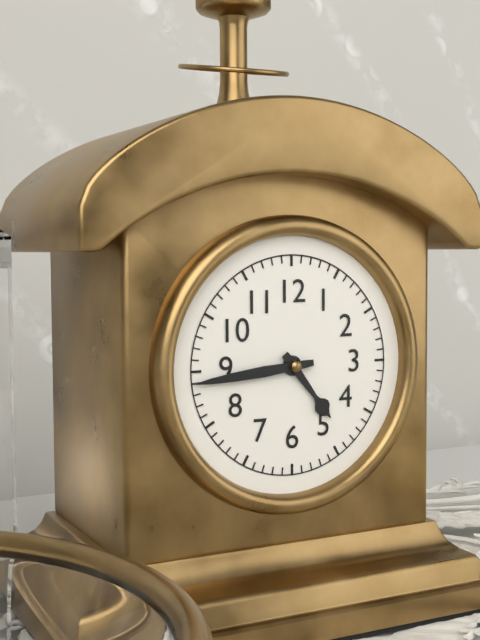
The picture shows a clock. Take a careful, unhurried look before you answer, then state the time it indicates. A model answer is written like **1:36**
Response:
**4:44**
